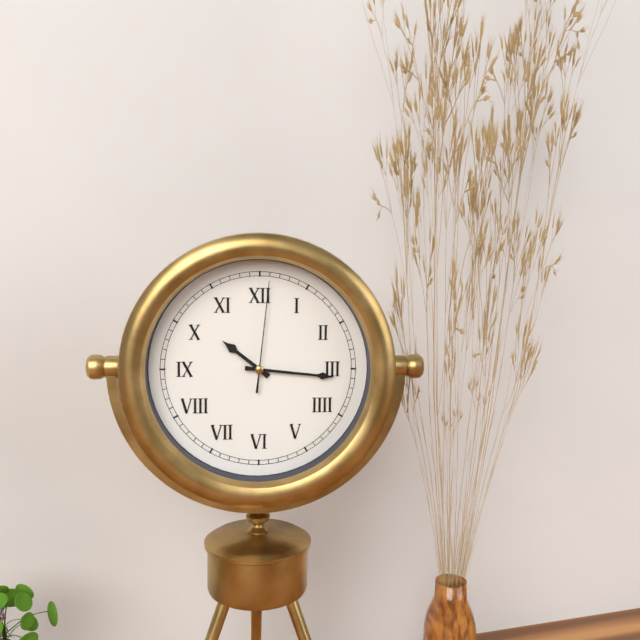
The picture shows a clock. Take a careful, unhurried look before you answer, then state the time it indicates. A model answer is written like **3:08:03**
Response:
**10:16:01**
